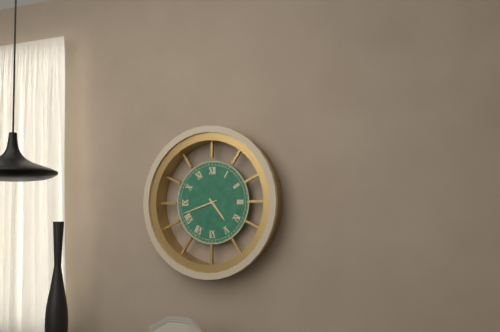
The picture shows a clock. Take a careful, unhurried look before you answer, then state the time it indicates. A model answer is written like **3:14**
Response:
**4:42**
